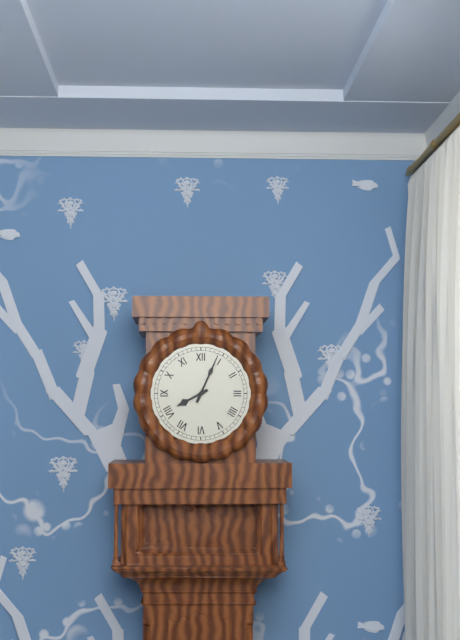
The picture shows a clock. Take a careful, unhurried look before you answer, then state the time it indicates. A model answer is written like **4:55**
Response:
**8:04**
